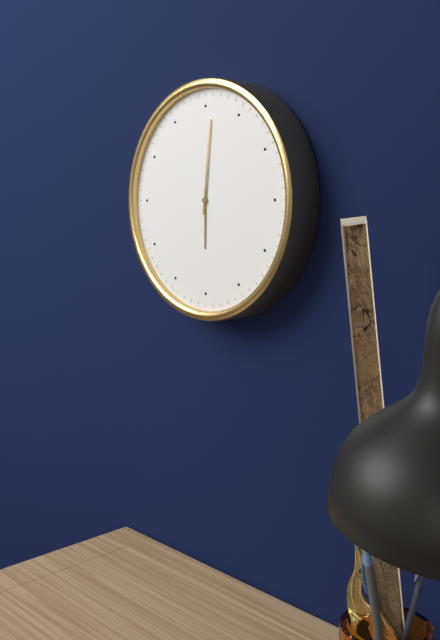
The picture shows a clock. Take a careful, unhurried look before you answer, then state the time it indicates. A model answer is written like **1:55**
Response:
**6:01**
